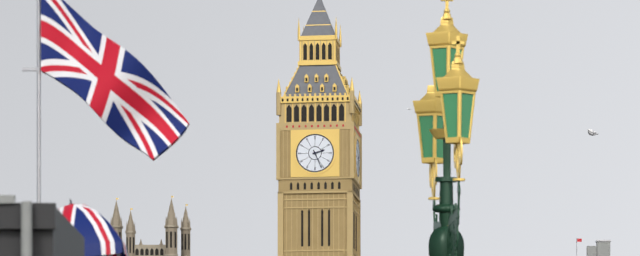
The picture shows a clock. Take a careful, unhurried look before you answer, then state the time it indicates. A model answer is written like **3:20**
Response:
**2:26**
